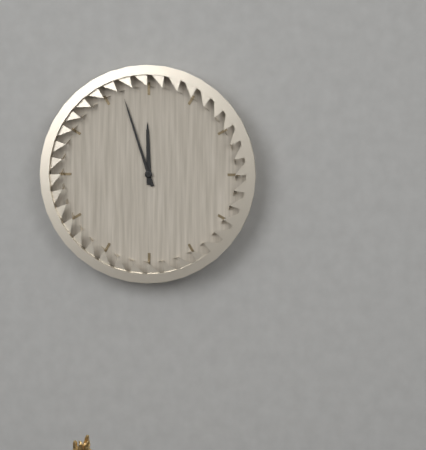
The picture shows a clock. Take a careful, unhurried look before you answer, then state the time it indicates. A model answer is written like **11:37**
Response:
**11:57**
